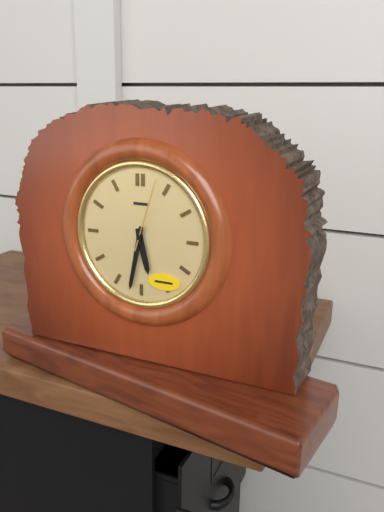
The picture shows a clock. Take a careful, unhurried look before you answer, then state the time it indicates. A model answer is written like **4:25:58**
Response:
**5:32:03**
